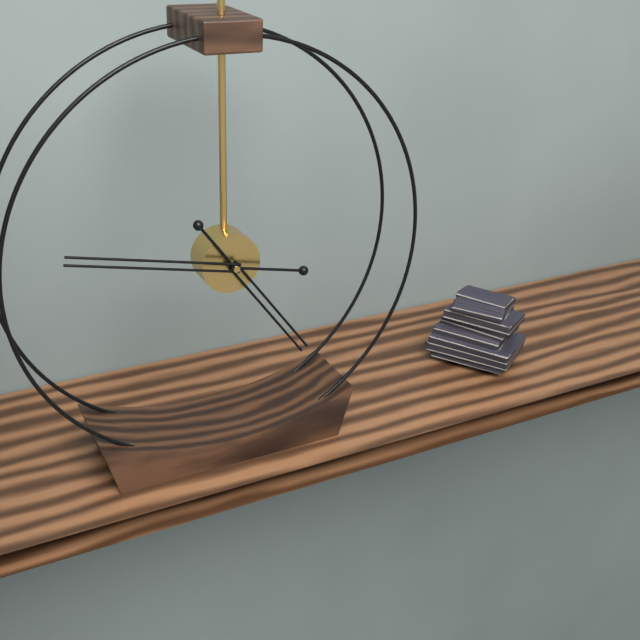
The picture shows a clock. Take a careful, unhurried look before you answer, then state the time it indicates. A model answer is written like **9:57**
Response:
**4:47**
